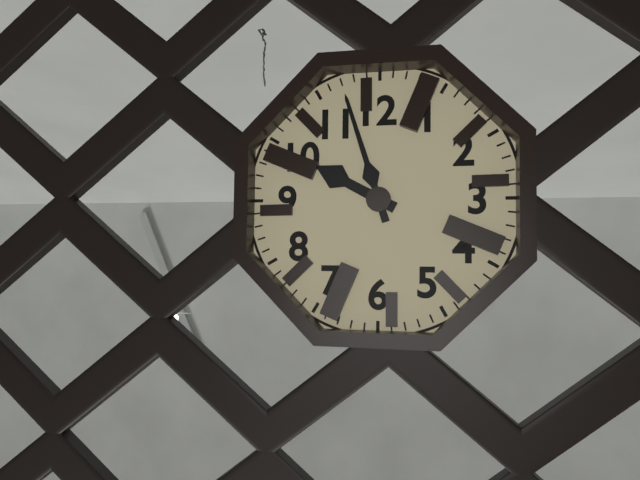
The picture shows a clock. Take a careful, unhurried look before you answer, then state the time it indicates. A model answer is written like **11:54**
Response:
**9:57**
